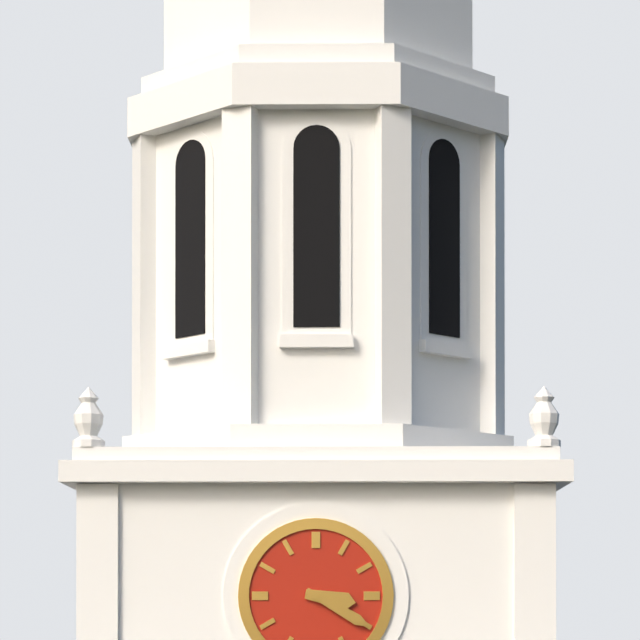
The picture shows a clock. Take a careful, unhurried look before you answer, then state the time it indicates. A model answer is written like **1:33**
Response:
**3:20**
